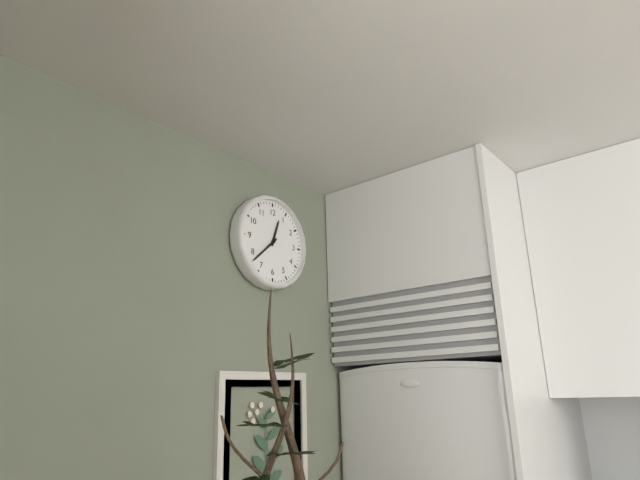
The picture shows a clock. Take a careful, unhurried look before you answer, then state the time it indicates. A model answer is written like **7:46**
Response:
**12:38**
